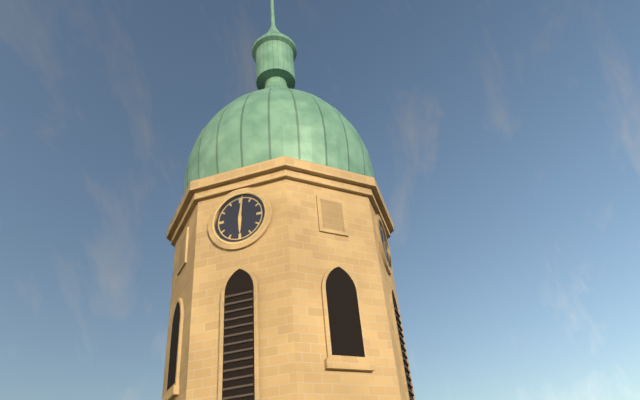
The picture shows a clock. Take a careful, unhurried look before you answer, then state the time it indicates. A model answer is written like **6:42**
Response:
**6:01**
